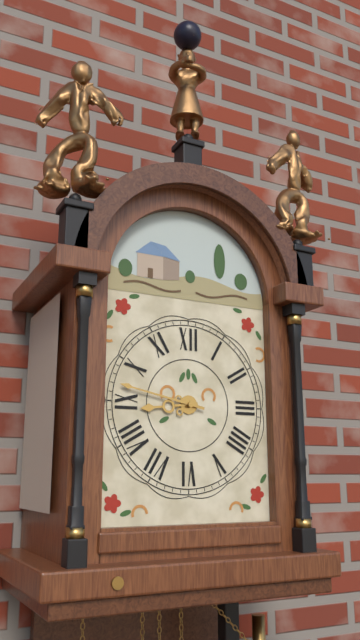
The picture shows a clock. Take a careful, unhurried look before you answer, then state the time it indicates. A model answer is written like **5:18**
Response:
**8:47**
